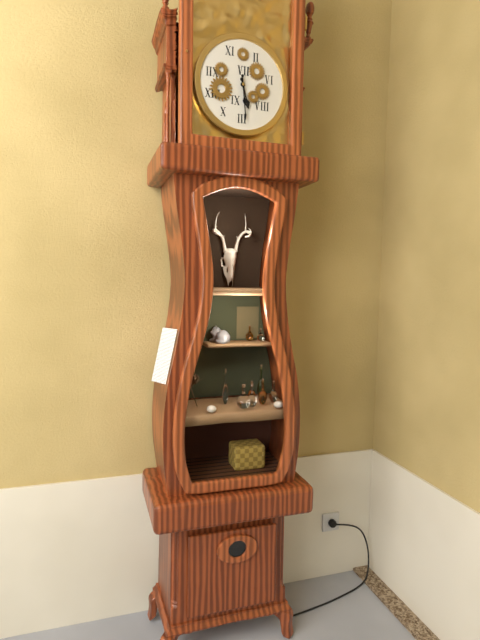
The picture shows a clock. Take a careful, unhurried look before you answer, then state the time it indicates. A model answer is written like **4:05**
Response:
**5:29**
